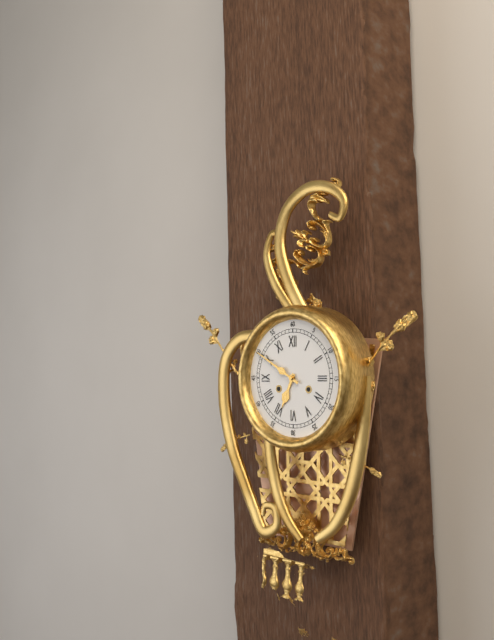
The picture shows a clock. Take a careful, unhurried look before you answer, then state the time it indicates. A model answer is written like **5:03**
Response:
**6:50**
